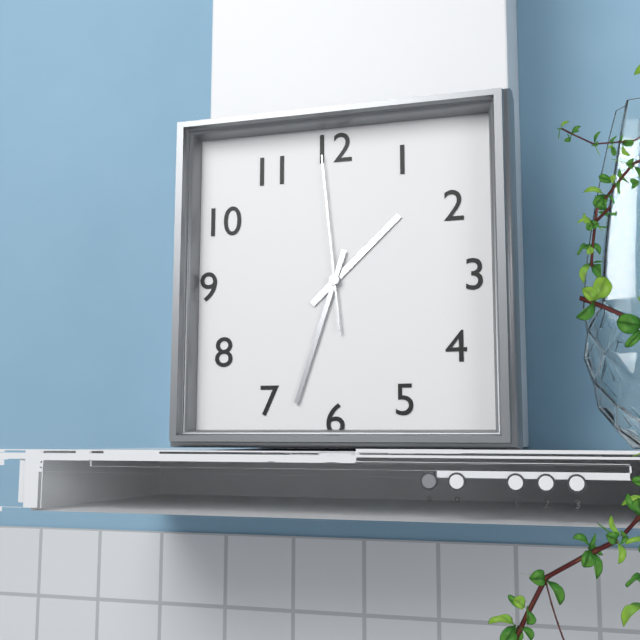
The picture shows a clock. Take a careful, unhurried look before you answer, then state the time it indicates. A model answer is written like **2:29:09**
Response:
**1:33:59**
